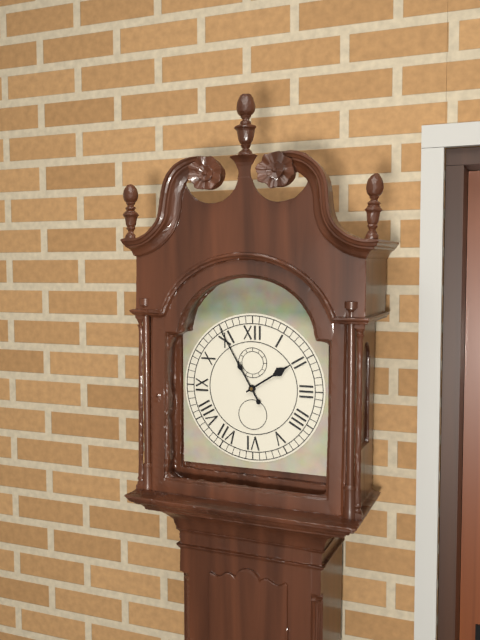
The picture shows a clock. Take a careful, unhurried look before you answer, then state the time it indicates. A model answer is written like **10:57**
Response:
**1:55**
